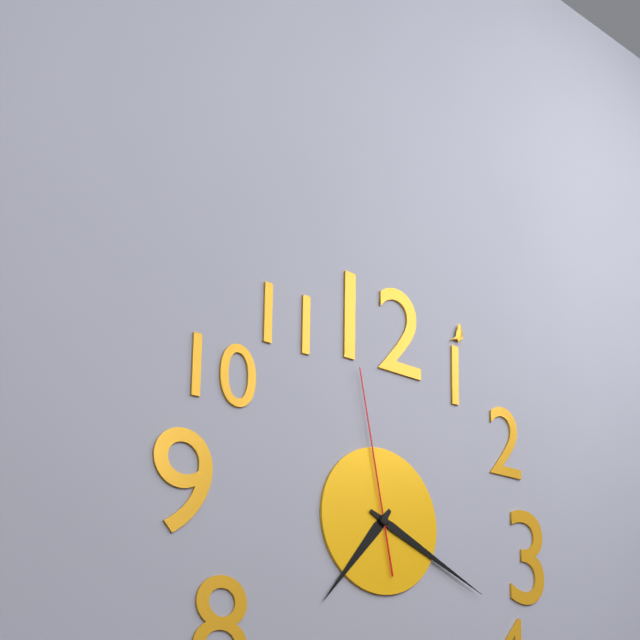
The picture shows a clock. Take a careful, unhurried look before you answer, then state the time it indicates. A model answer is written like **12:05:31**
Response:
**7:19:58**
